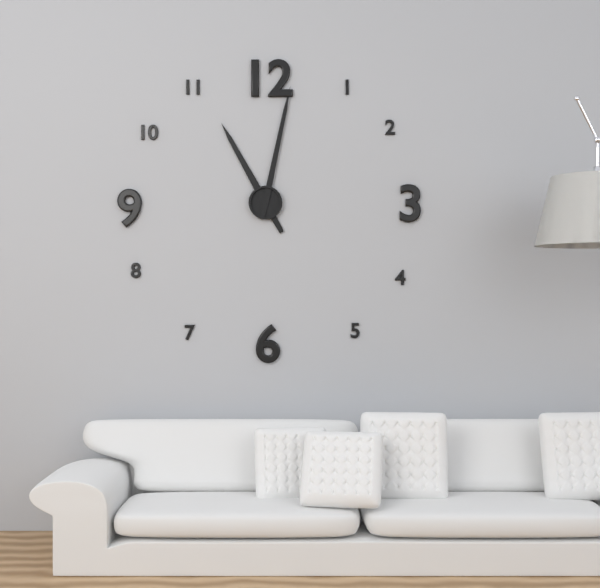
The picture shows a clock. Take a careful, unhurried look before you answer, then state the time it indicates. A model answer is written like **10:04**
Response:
**11:02**
